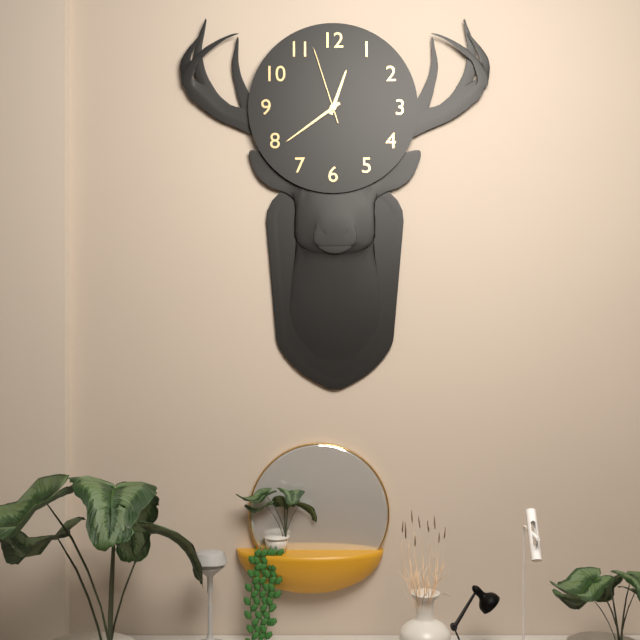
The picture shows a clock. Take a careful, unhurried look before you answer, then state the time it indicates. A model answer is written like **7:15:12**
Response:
**12:39:57**
